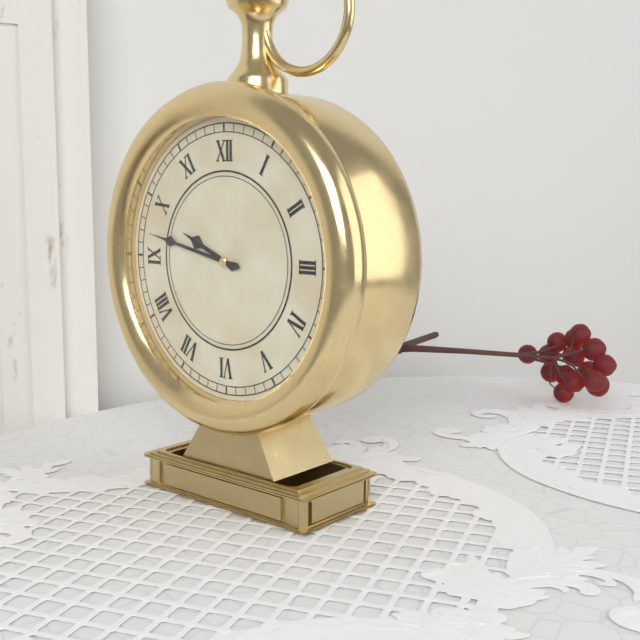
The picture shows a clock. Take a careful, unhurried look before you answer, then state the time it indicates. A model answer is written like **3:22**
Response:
**9:47**
